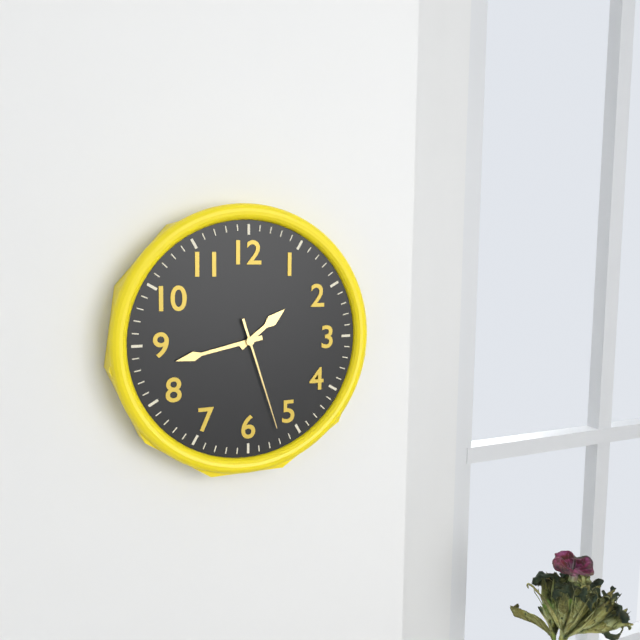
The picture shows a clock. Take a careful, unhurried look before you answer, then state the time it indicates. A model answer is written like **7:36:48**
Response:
**1:43:27**
